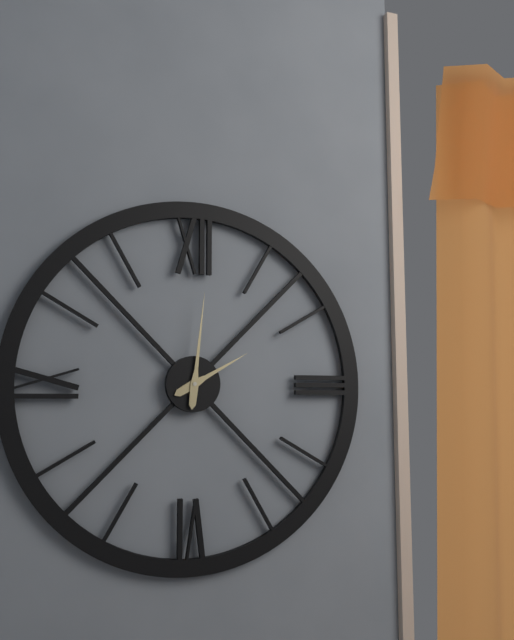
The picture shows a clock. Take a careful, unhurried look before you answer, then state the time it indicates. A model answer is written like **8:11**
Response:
**2:01**
